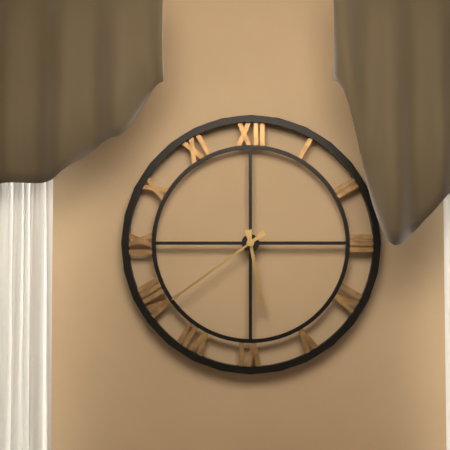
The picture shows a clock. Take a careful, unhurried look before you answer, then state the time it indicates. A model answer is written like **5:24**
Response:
**5:39**
